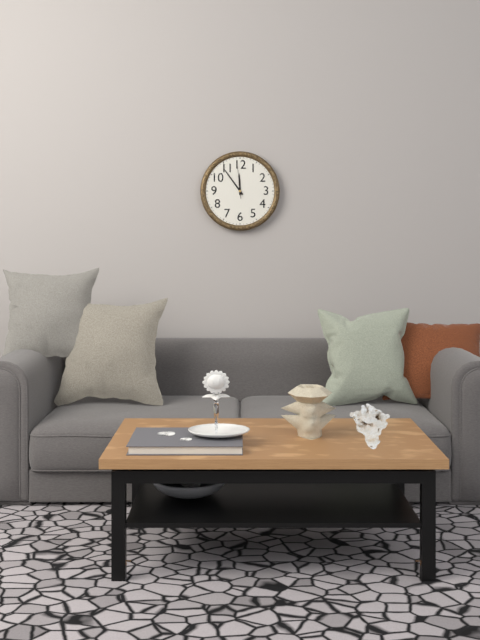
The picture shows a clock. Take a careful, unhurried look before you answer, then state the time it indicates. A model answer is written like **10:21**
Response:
**11:54**
